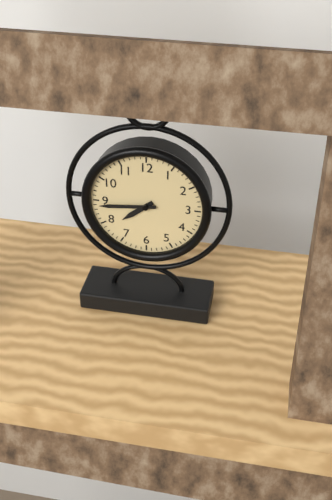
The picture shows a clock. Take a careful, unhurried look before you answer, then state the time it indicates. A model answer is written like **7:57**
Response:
**7:44**
